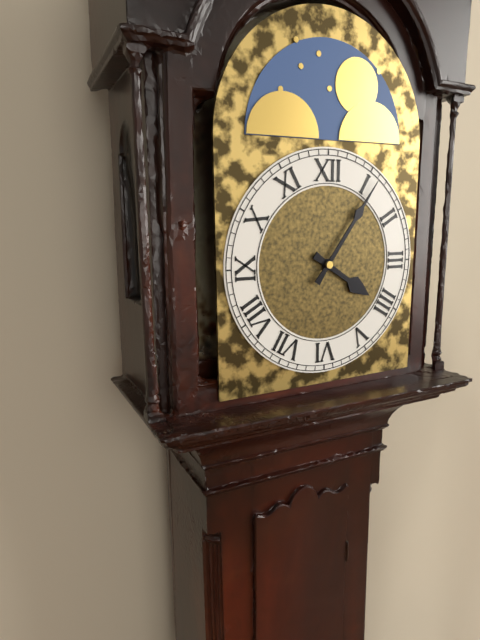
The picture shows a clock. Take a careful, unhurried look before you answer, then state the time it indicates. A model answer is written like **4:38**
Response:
**4:06**
